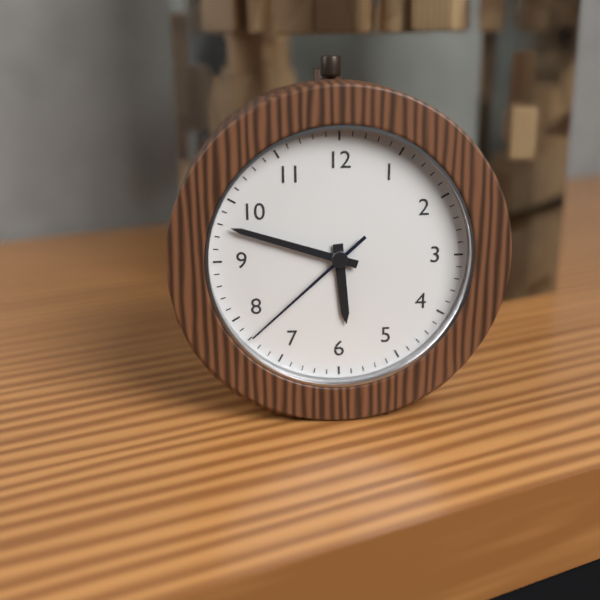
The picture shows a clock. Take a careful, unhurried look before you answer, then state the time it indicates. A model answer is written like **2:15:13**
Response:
**5:48:38**
